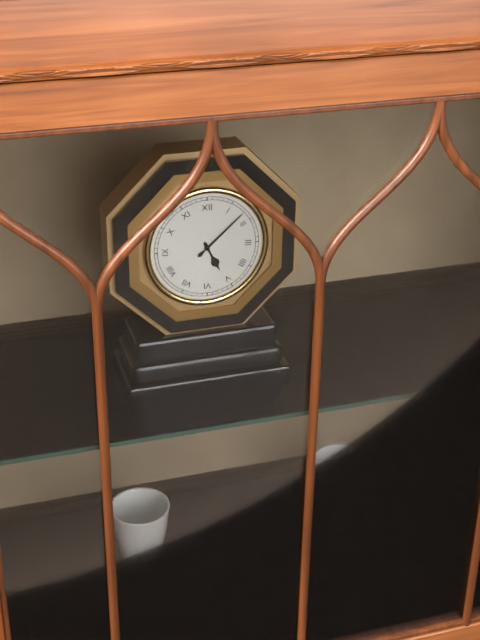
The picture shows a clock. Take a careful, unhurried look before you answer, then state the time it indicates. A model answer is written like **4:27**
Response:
**5:08**
